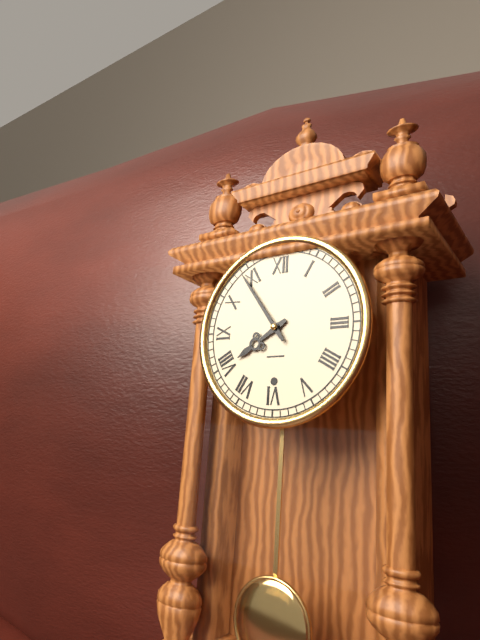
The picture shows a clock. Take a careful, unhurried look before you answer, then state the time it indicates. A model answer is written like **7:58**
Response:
**7:54**
